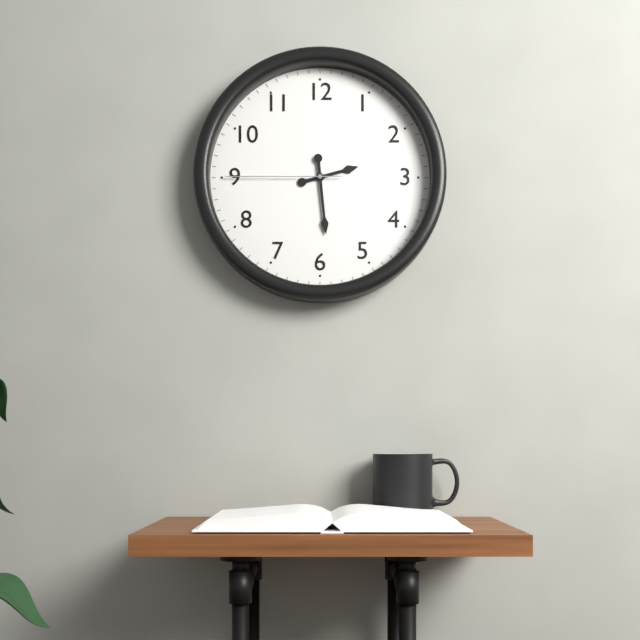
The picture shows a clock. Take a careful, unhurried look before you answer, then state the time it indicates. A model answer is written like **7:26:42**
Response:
**2:29:45**
